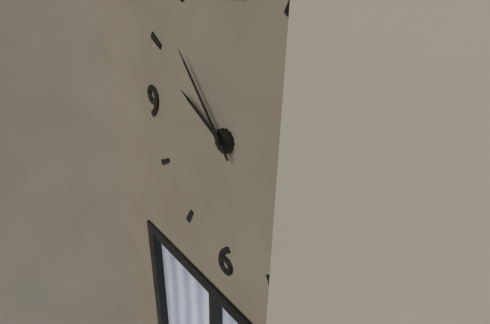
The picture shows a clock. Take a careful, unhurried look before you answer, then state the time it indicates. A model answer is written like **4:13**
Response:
**9:53**
